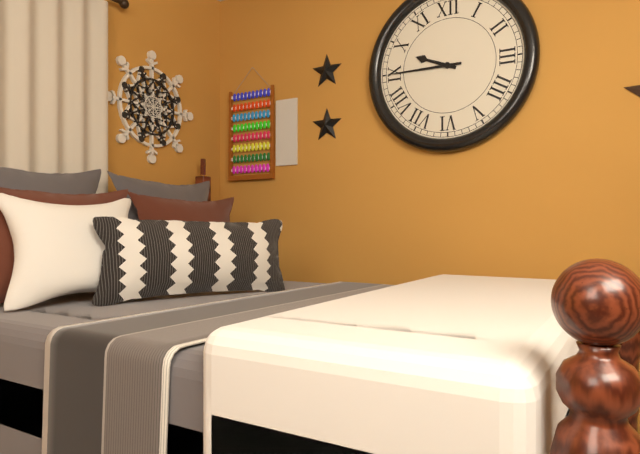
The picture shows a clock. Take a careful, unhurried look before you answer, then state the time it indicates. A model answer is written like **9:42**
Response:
**9:45**
